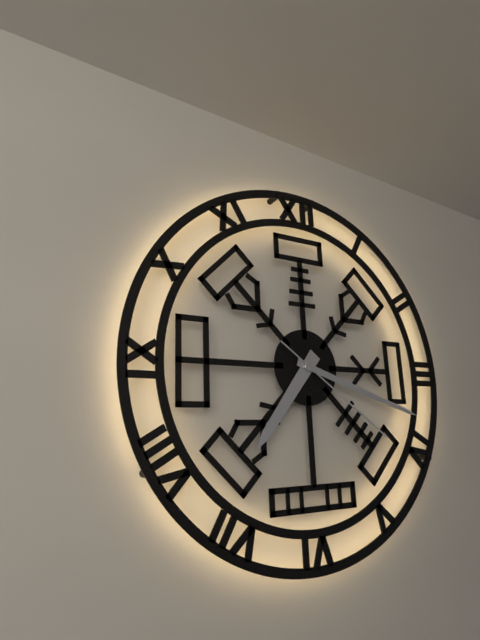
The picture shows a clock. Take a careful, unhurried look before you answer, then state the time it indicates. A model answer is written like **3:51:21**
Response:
**7:18:21**
